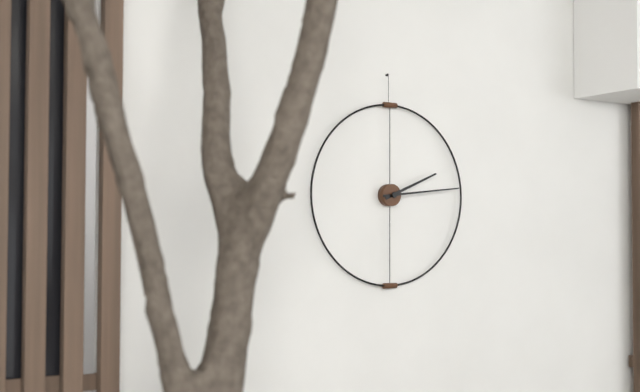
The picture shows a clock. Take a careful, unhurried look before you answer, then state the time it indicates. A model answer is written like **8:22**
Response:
**2:14**
